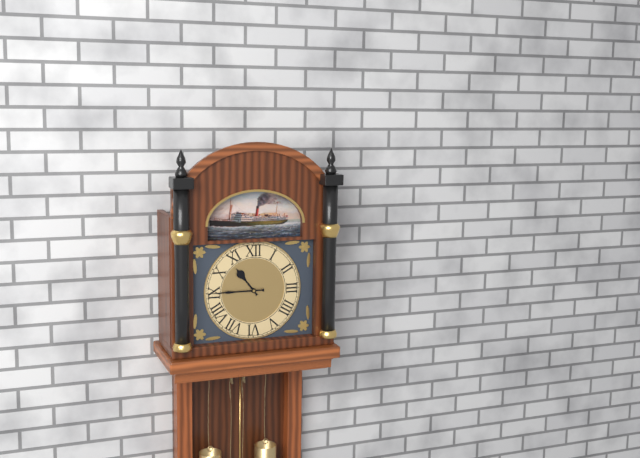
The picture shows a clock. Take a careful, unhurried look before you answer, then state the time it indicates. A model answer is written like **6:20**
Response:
**10:45**
